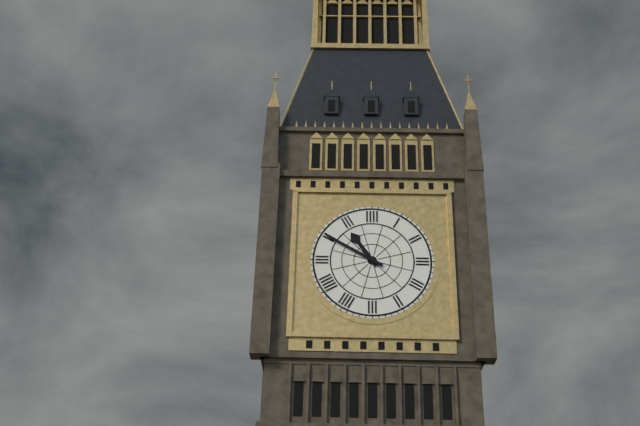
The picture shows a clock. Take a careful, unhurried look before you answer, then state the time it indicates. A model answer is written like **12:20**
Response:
**10:50**
